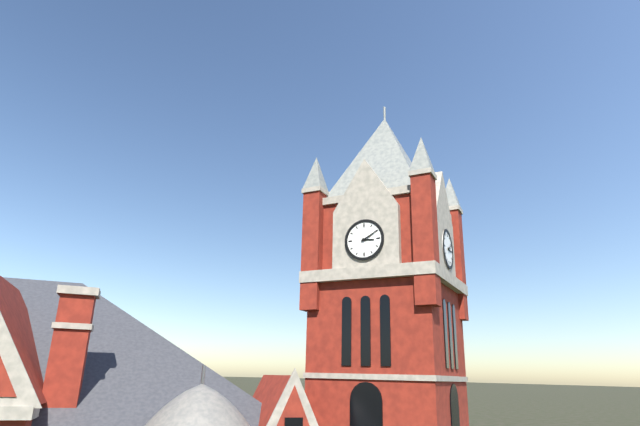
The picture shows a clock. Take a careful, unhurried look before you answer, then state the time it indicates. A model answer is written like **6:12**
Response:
**3:10**
